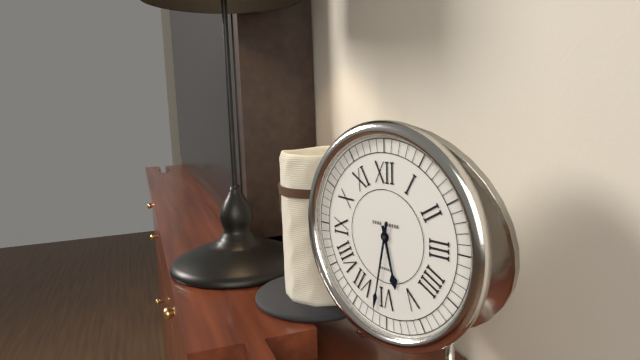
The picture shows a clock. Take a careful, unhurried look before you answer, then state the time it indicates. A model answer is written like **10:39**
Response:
**5:32**
